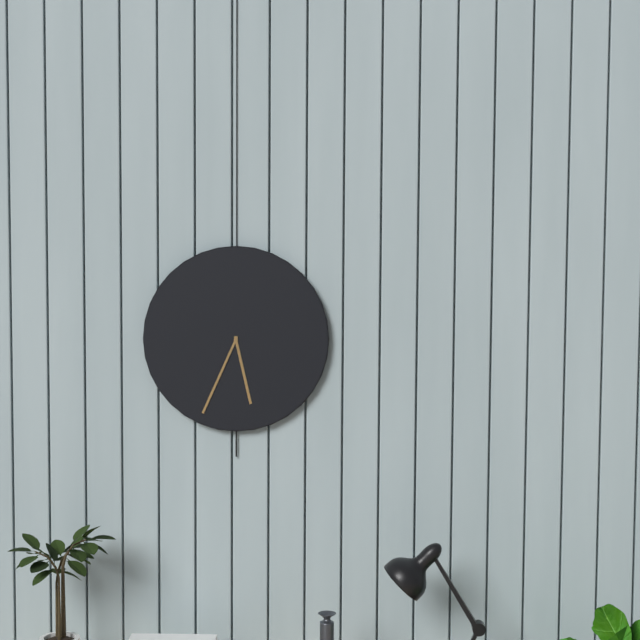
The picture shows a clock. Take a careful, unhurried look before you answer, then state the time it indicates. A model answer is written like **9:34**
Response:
**5:34**
